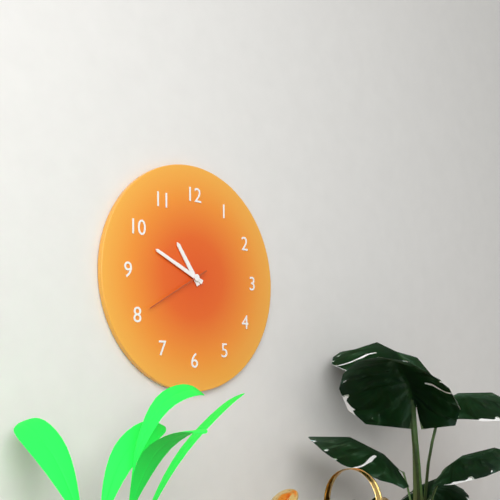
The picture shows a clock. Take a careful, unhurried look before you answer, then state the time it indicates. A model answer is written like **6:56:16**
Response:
**10:49:40**
